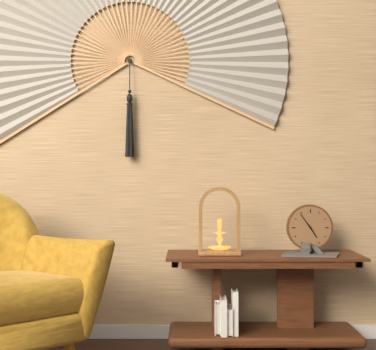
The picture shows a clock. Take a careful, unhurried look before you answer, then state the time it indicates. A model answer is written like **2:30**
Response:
**4:54**
